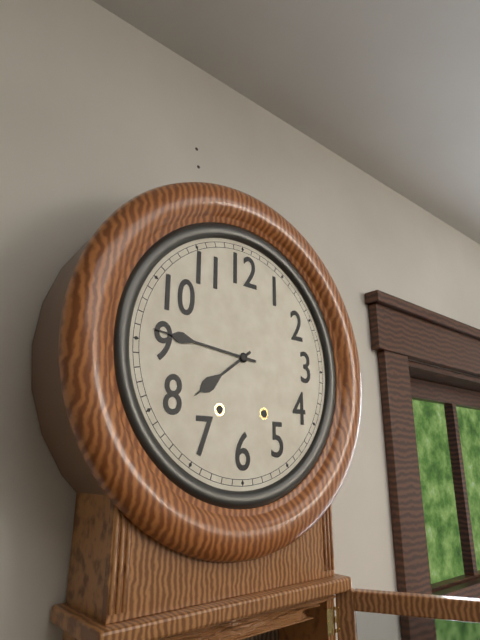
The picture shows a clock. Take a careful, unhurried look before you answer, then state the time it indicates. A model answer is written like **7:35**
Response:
**7:46**
